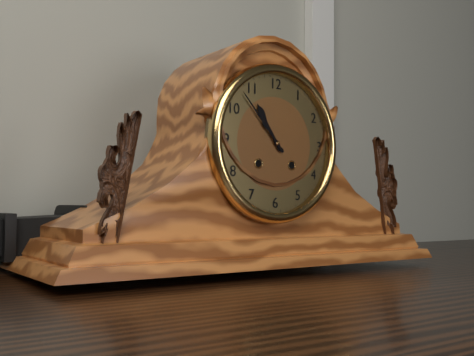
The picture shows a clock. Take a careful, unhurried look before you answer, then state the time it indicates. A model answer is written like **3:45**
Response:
**10:53**
